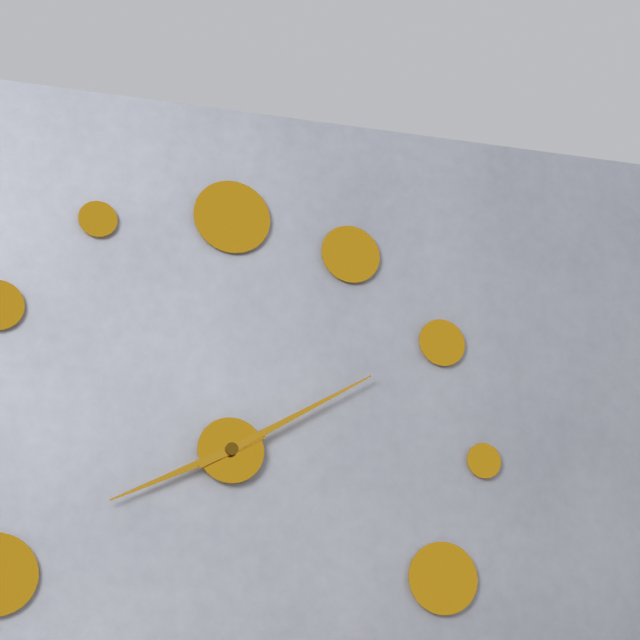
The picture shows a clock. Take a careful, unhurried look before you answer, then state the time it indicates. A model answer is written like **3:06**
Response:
**8:10**
